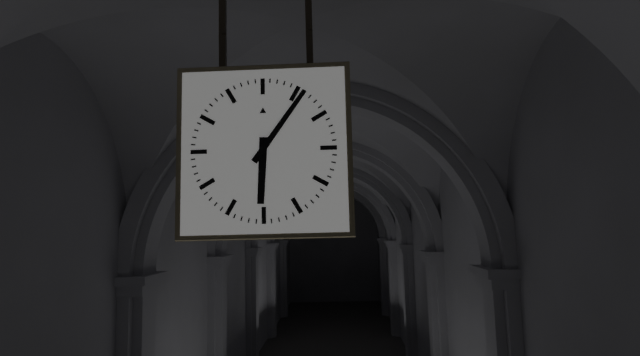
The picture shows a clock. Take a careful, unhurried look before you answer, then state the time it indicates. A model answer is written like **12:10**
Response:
**6:06**
